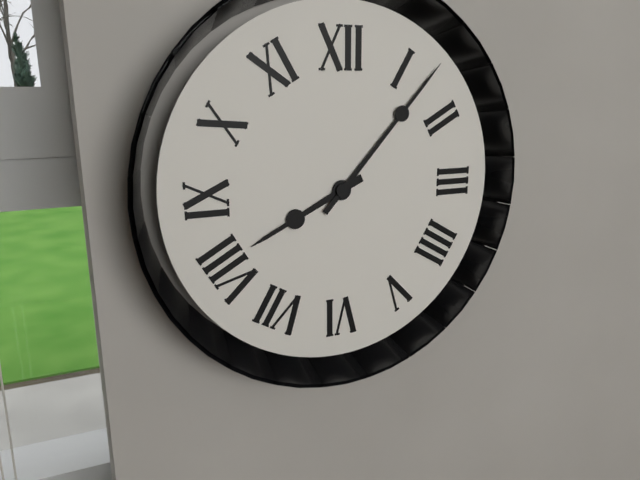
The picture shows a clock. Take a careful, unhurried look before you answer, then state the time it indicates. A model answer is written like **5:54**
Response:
**8:07**
